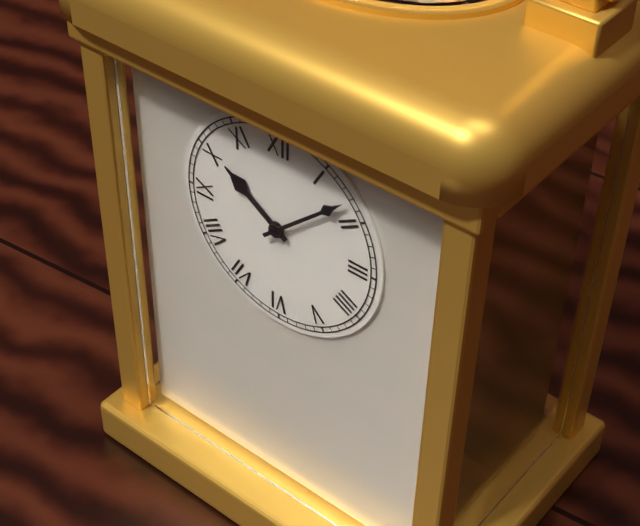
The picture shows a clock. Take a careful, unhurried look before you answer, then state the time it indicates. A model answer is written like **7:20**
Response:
**10:08**
